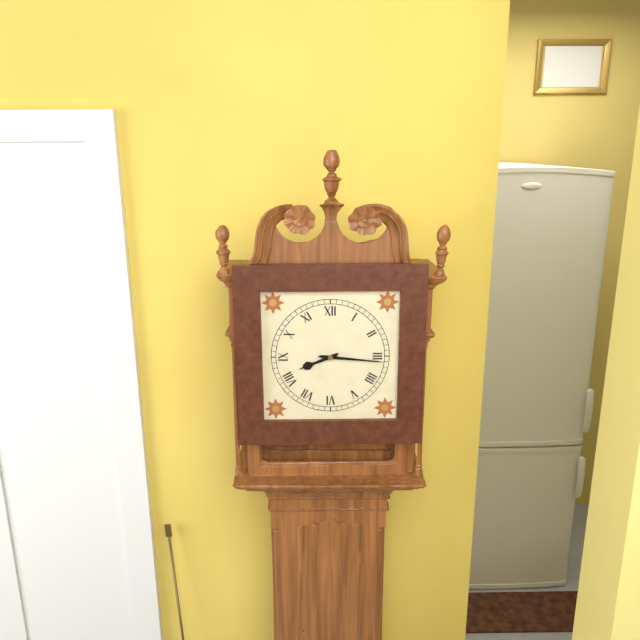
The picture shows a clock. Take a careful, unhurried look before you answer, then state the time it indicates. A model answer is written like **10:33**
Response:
**8:16**
